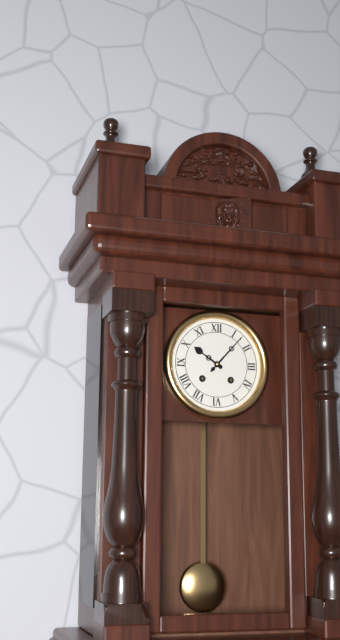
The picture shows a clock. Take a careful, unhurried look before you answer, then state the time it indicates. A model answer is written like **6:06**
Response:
**10:07**
